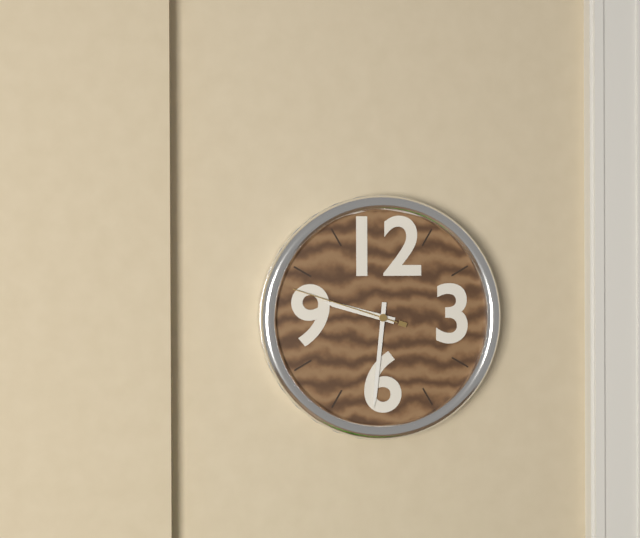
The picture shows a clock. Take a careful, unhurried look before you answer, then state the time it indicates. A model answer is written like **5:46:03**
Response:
**9:31:48**
